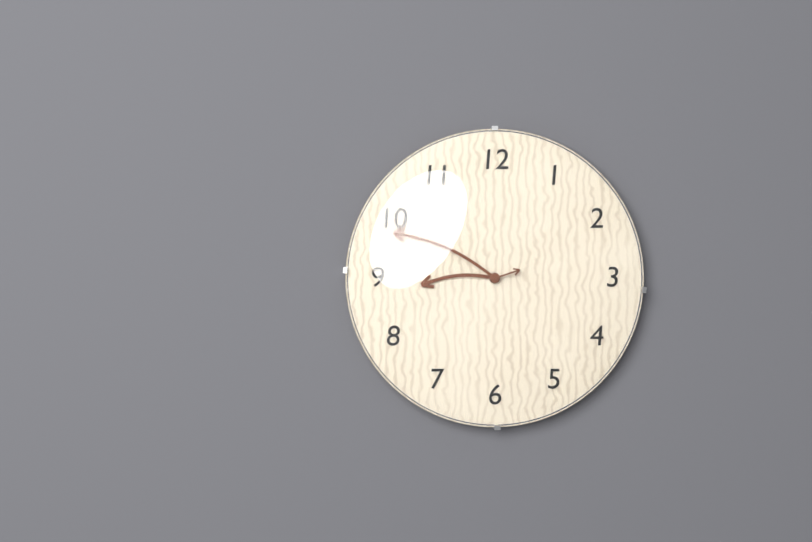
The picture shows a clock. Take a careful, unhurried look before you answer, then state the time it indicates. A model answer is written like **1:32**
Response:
**8:49**
